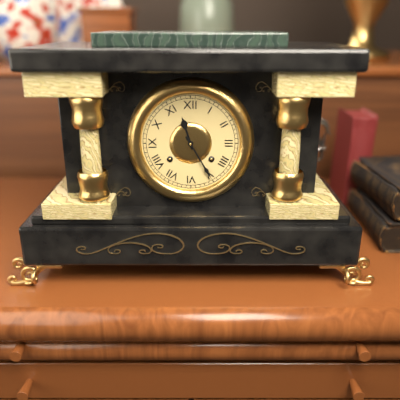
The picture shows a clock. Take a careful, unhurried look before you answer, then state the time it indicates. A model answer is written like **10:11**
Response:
**11:25**
